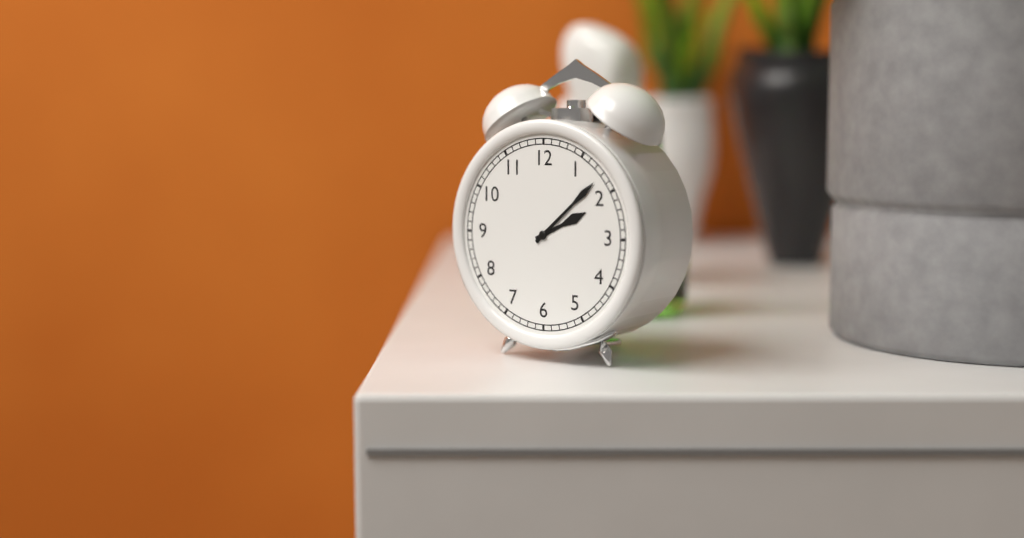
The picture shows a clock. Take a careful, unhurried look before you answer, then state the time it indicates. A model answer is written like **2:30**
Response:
**2:08**
